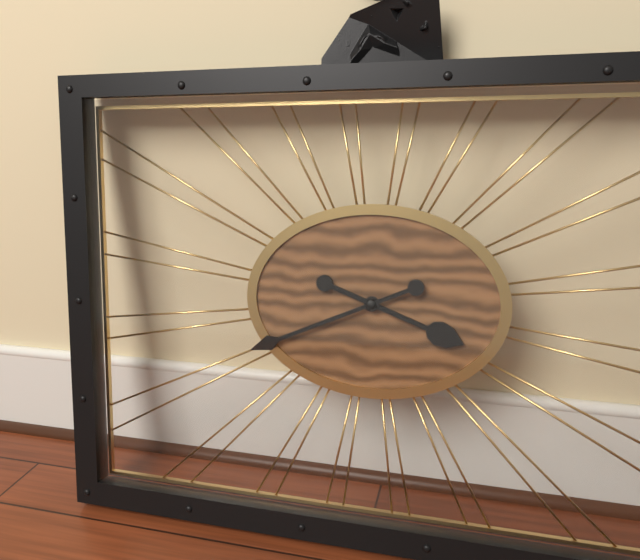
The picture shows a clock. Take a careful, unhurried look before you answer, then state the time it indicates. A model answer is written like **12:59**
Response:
**3:41**
